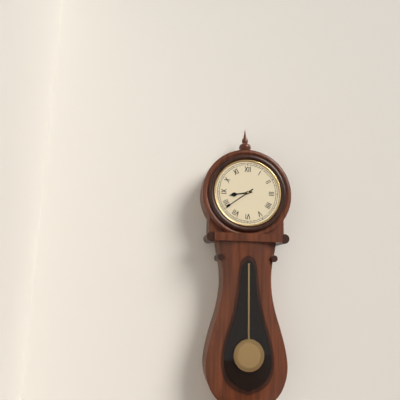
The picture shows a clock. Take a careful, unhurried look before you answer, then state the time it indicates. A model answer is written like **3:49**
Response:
**8:39**
